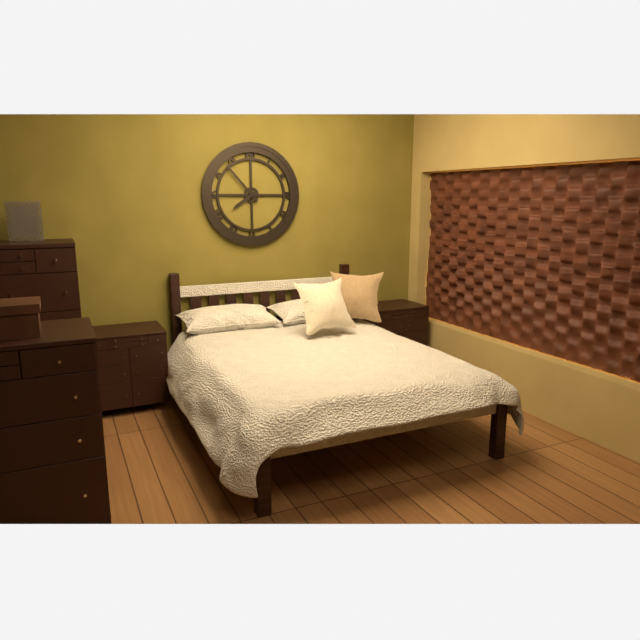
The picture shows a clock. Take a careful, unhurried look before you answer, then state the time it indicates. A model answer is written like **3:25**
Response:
**7:53**
